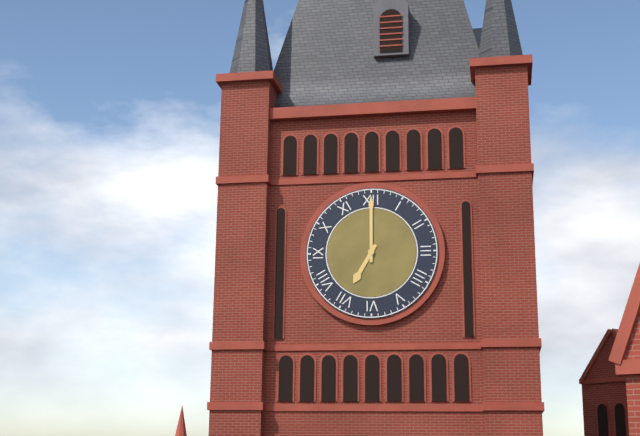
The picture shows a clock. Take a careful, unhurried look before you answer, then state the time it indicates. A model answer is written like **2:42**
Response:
**7:00**
